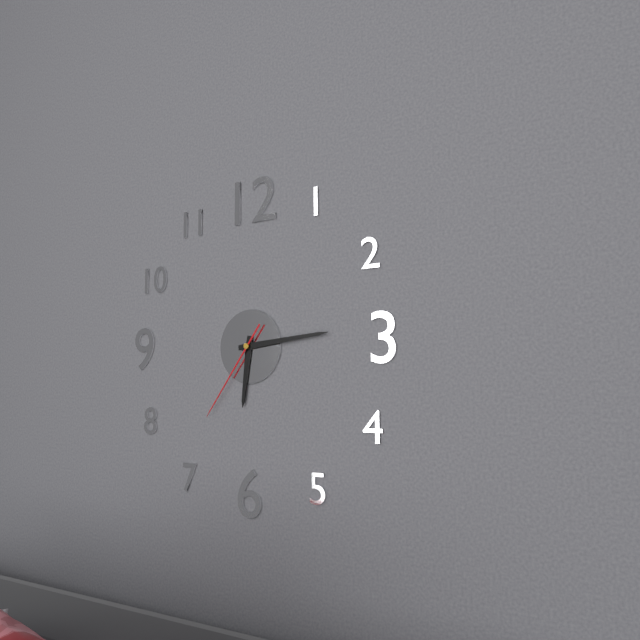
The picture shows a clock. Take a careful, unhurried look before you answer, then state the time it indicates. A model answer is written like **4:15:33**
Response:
**6:14:36**
